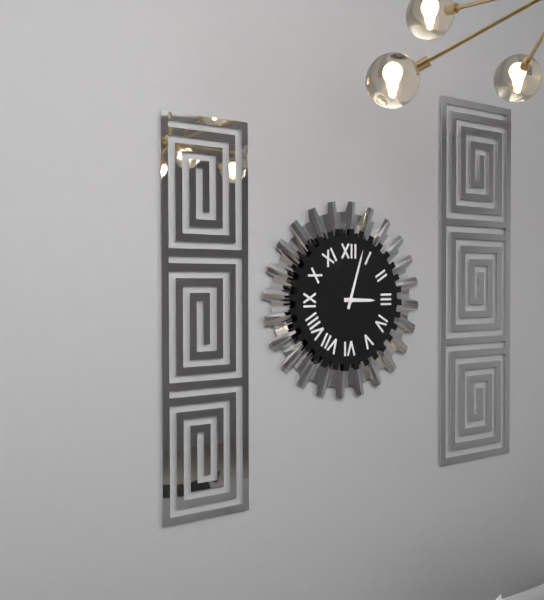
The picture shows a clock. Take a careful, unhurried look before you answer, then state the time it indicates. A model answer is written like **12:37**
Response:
**3:03**
